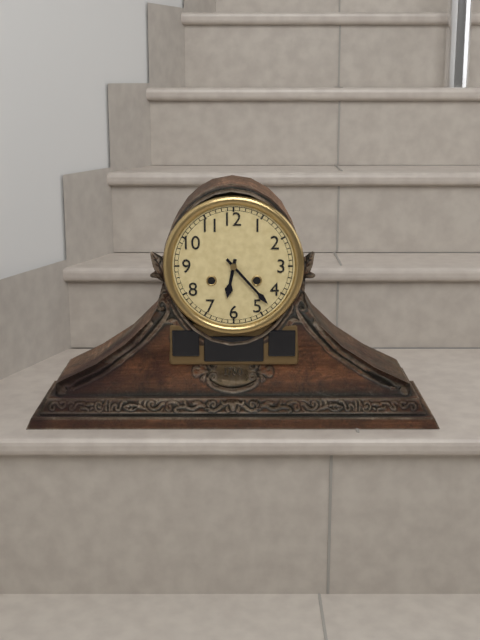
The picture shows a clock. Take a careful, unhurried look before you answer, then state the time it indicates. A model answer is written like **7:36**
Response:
**6:23**
